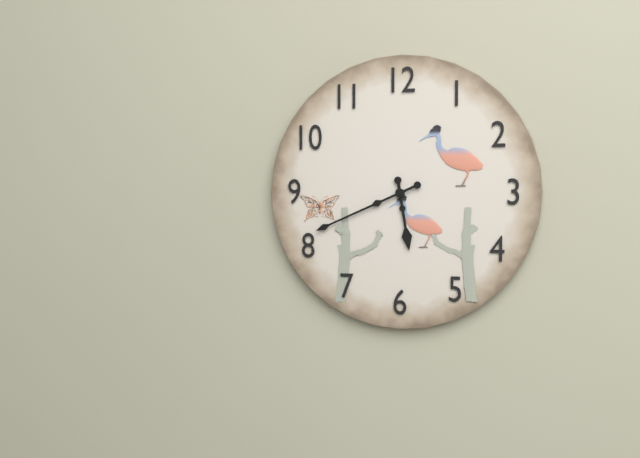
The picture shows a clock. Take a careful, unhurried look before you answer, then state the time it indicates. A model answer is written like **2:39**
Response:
**5:41**
